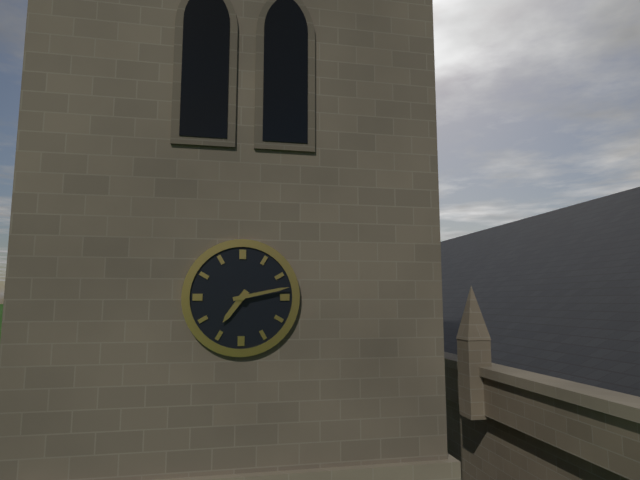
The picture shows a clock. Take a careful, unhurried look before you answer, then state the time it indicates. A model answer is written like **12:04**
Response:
**7:13**
